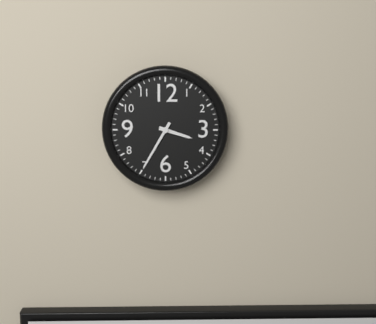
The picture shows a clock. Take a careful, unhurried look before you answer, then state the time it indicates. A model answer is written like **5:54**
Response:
**3:35**
